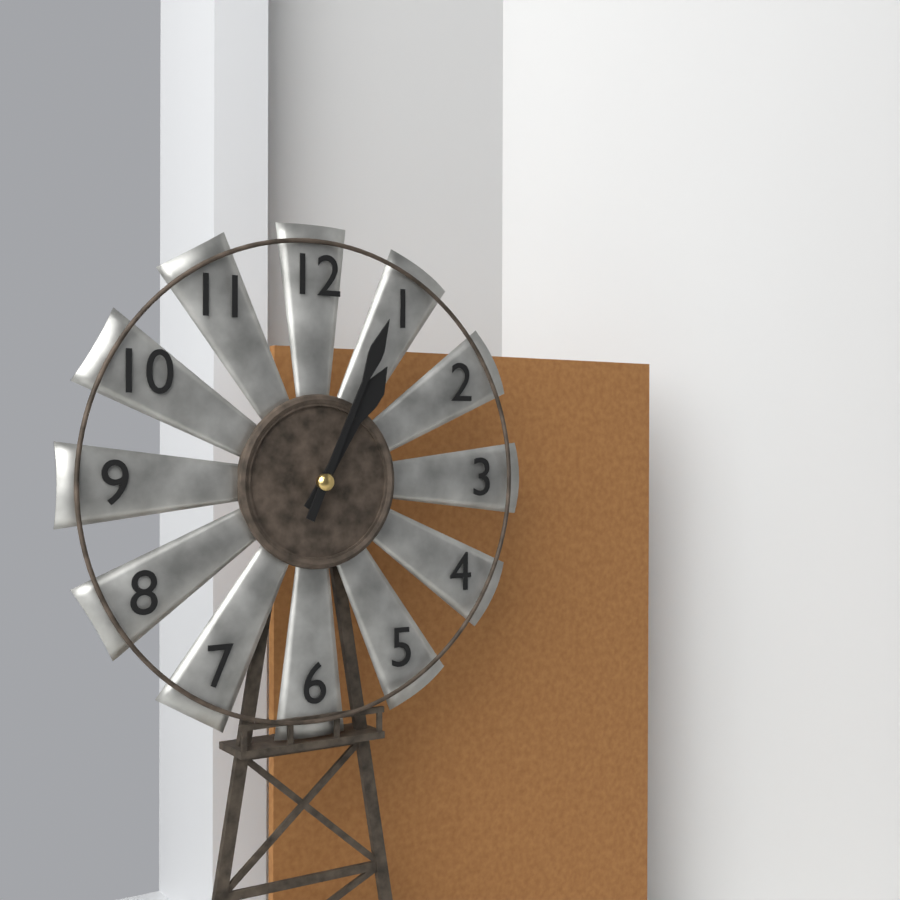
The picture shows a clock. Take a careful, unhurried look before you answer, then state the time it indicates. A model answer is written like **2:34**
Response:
**1:04**
